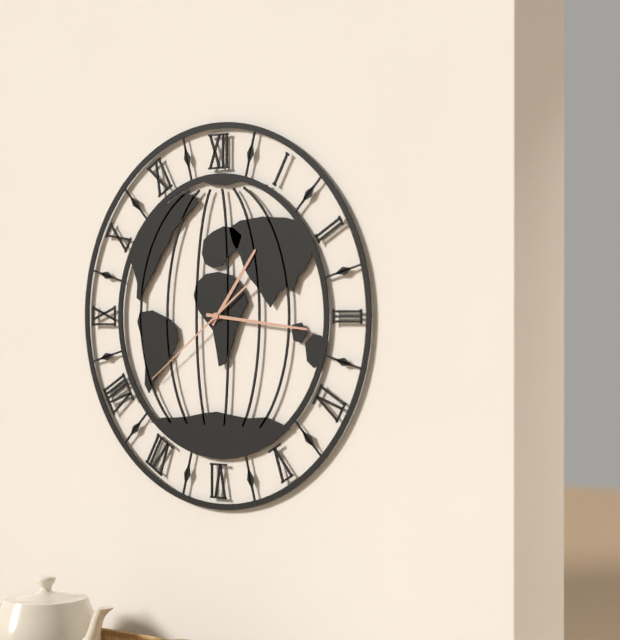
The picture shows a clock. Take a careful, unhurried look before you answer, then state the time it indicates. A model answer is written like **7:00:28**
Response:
**1:16:39**
